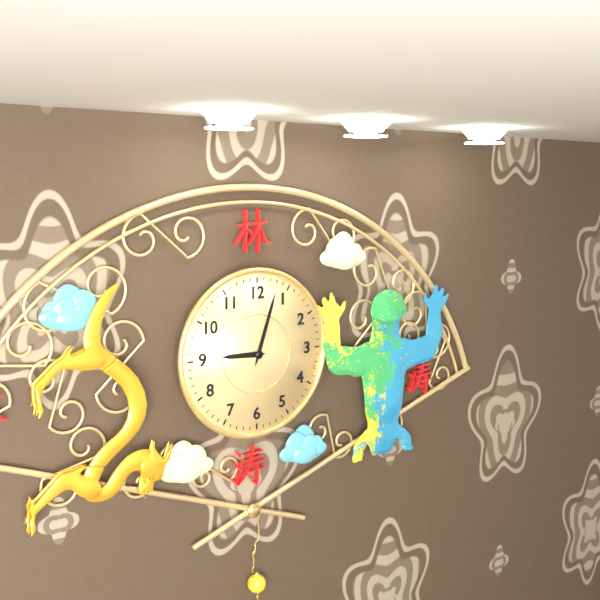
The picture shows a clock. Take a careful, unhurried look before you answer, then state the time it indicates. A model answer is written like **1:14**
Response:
**9:03**
